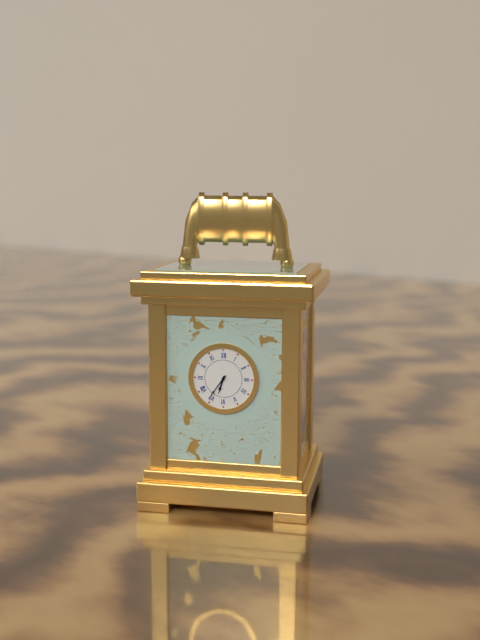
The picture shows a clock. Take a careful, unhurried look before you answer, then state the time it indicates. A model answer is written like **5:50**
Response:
**6:36**
